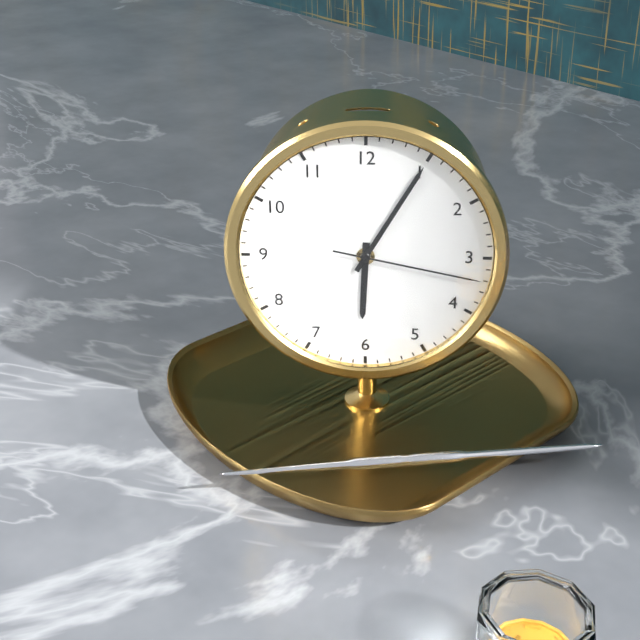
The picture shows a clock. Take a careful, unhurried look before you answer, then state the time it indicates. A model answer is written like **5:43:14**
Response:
**6:05:17**
